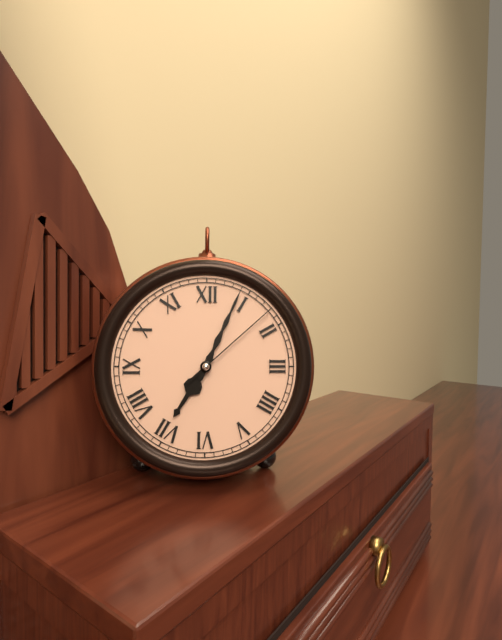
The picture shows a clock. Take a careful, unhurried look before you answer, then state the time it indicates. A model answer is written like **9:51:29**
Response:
**7:04:08**
